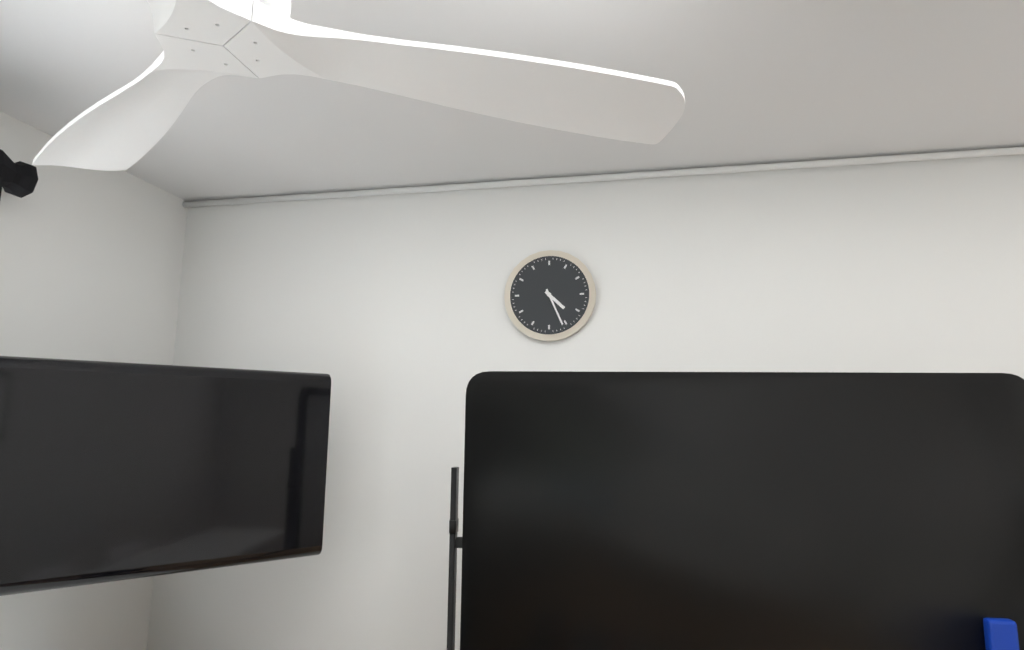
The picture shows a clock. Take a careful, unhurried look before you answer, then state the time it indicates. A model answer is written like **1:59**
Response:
**4:26**
